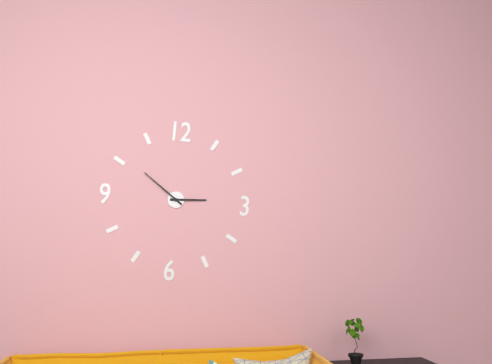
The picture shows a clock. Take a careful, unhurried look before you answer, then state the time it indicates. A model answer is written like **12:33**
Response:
**2:51**
